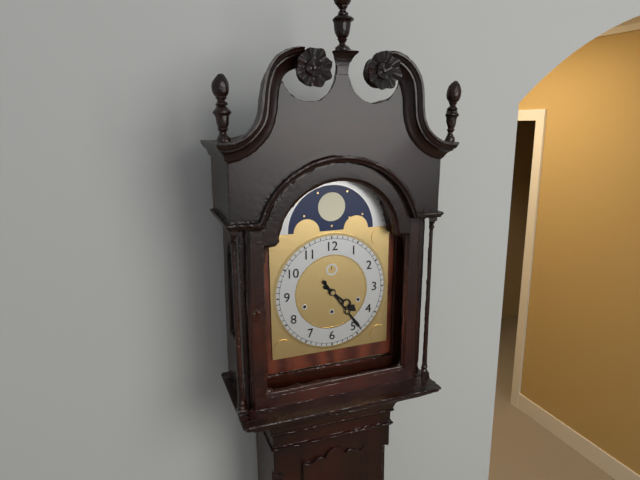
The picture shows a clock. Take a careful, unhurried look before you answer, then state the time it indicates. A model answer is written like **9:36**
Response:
**4:24**
